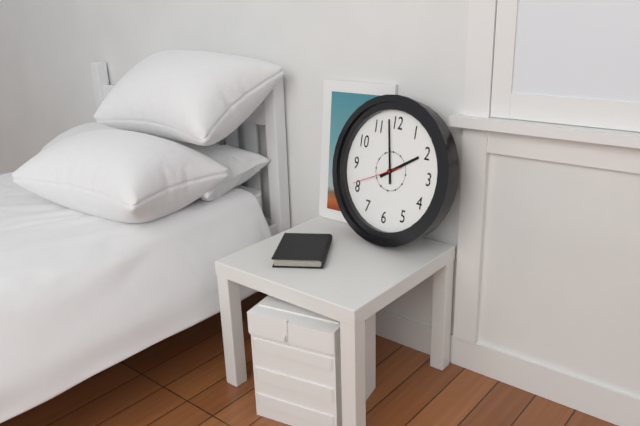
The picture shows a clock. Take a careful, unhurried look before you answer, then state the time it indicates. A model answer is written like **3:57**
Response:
**1:58**
